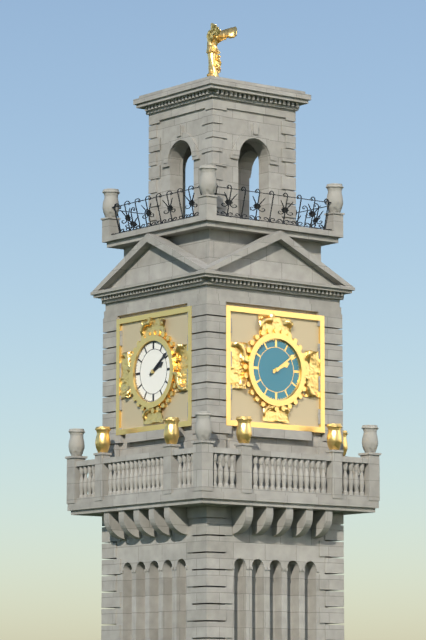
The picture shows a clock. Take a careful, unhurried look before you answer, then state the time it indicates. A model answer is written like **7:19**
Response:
**2:09**
